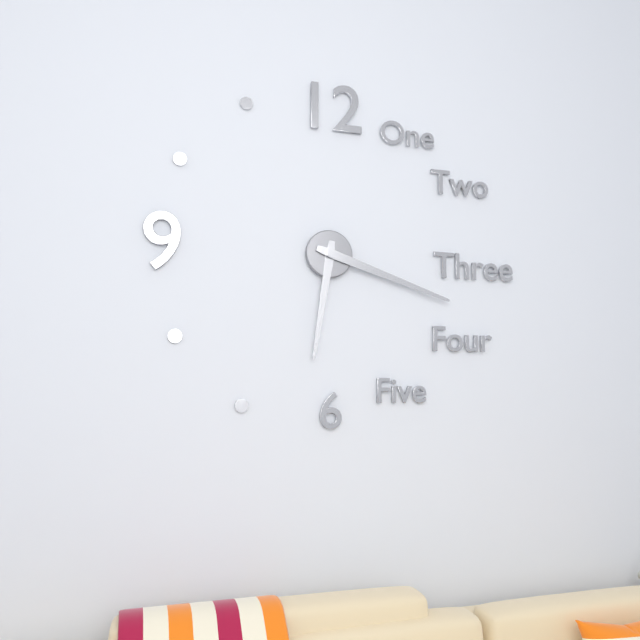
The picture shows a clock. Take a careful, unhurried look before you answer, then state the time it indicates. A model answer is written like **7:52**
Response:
**6:18**
